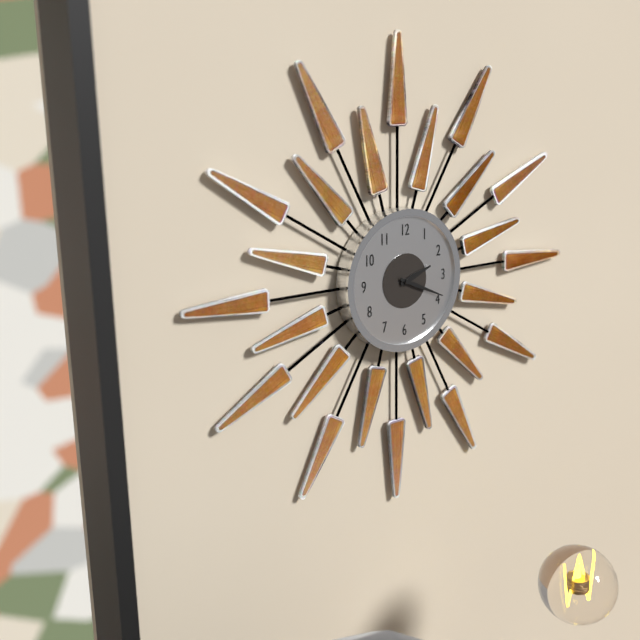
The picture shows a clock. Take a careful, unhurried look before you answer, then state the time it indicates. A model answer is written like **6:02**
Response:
**2:19**
